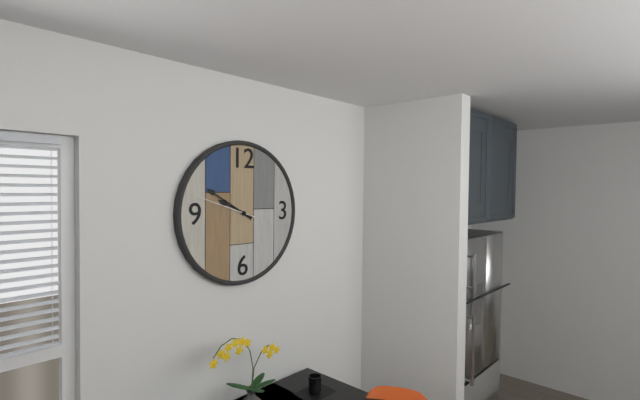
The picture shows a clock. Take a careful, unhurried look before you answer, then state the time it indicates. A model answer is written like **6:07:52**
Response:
**9:50:48**
